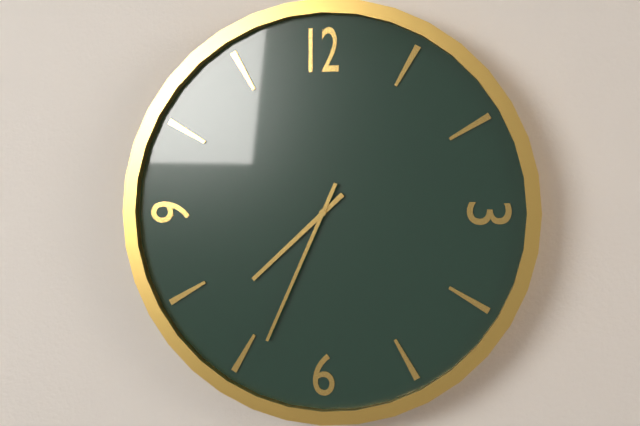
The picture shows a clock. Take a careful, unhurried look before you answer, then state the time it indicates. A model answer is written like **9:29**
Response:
**7:34**
